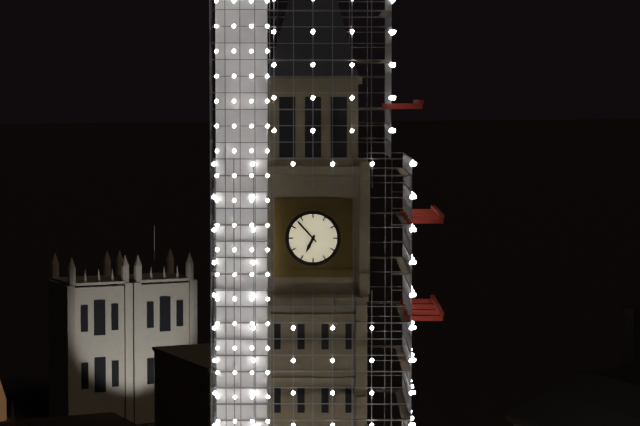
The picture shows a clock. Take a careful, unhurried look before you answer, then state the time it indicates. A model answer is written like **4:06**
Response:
**6:53**
